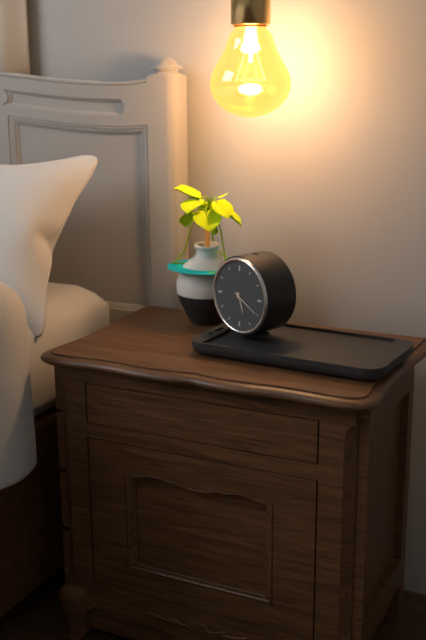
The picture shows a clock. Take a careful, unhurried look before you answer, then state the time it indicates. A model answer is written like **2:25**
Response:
**5:20**
